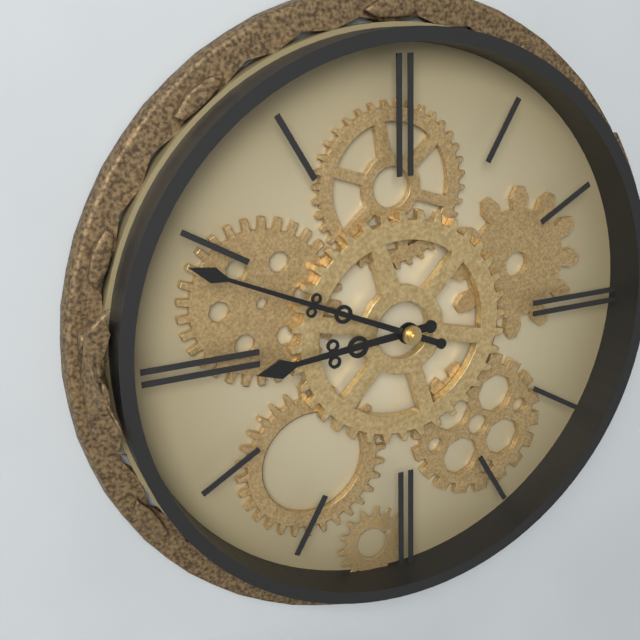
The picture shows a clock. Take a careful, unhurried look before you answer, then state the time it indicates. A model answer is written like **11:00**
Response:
**8:49**
